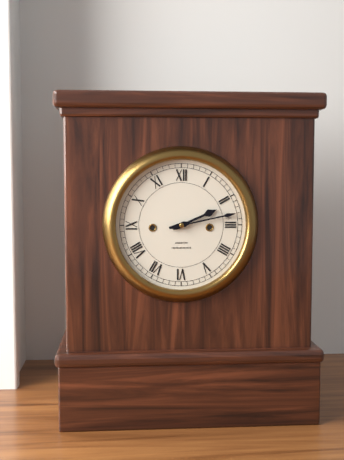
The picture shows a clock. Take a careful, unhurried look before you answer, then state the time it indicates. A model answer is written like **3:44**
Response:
**2:13**
